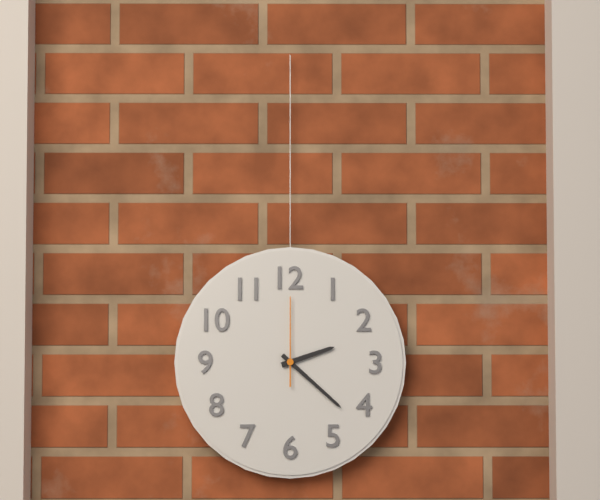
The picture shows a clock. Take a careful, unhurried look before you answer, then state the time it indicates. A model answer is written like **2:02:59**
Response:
**2:22:00**
